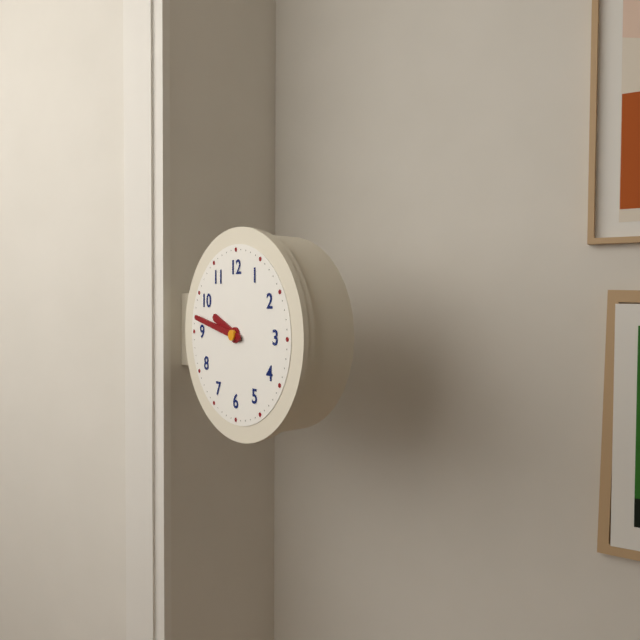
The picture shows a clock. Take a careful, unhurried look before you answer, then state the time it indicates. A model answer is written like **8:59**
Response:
**9:47**
